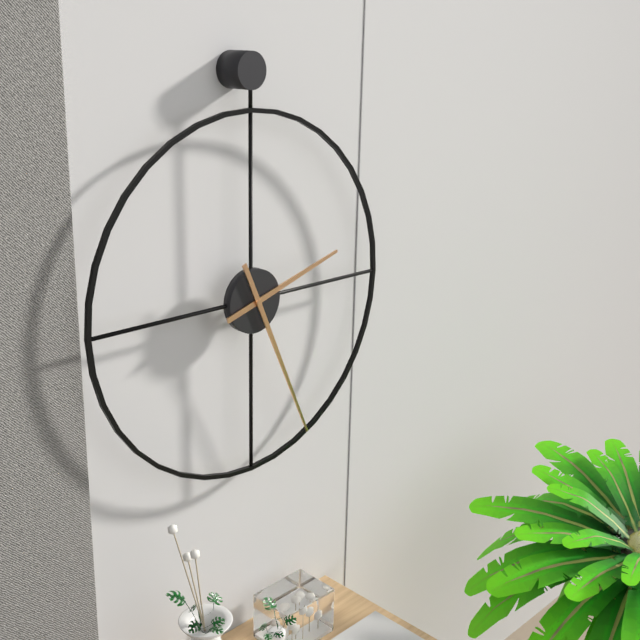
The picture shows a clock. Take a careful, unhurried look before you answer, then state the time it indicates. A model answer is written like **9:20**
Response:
**2:26**
